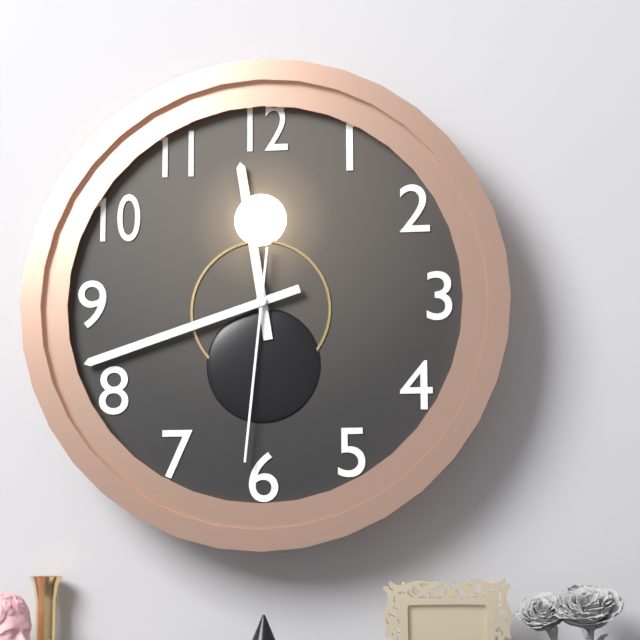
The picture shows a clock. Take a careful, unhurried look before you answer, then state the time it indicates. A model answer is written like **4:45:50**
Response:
**11:42:31**
